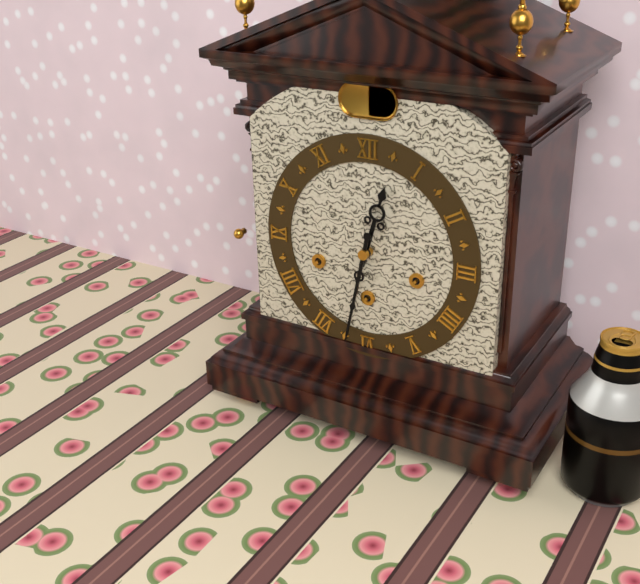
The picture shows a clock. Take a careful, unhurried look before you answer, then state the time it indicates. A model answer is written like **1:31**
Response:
**12:32**
